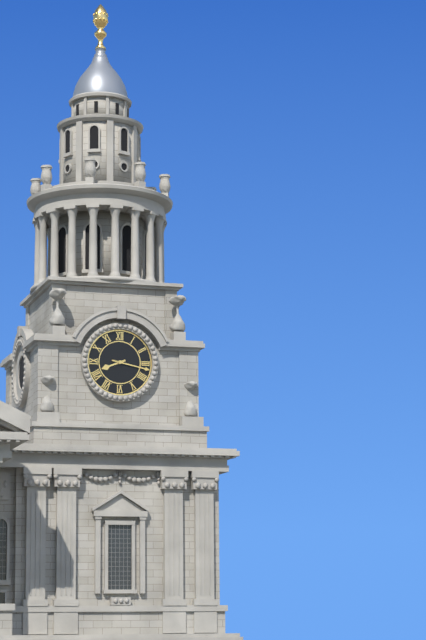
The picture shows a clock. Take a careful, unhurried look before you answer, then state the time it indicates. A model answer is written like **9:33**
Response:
**8:17**
